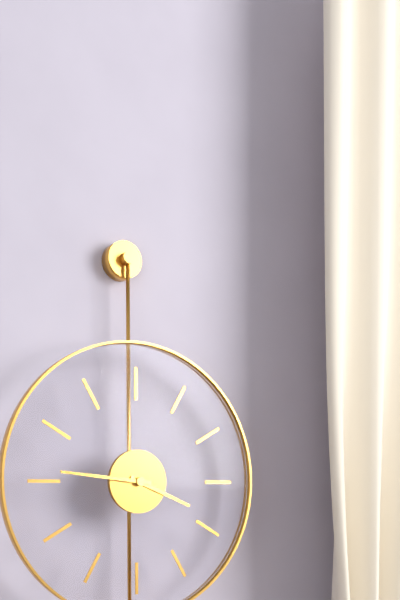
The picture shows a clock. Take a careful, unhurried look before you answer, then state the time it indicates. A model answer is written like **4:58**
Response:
**3:46**
